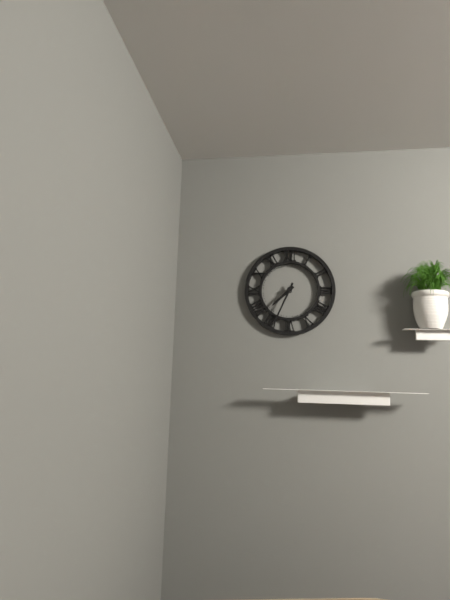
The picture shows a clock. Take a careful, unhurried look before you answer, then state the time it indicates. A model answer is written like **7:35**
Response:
**7:34**
